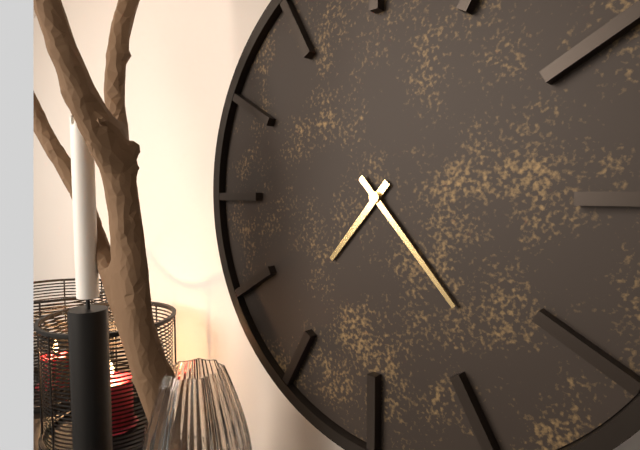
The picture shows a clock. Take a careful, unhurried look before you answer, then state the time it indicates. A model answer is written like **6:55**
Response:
**7:23**
